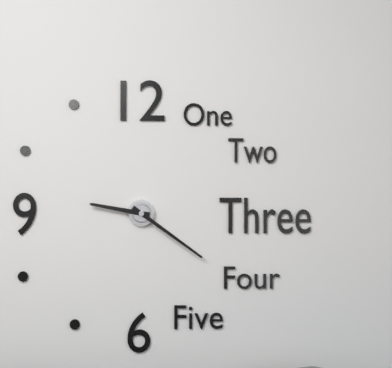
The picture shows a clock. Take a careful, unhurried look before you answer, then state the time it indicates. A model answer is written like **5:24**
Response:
**9:21**
